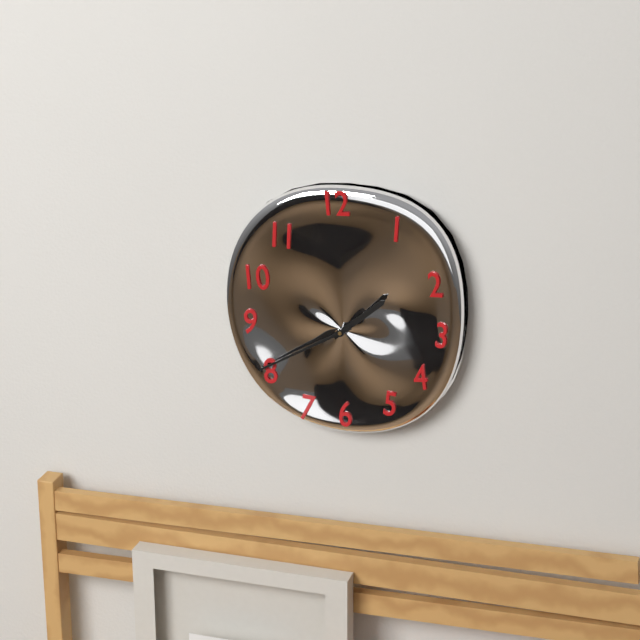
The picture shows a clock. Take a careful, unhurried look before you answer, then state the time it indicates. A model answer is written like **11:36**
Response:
**1:40**
